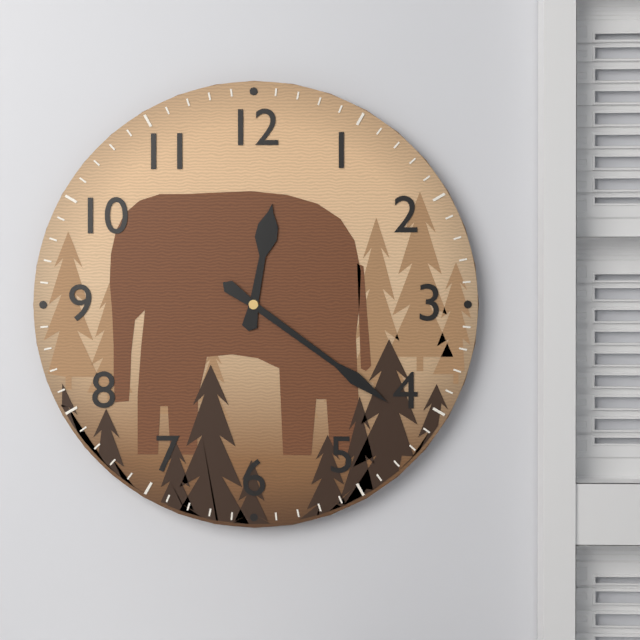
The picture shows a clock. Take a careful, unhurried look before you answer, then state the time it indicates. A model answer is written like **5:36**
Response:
**12:21**
